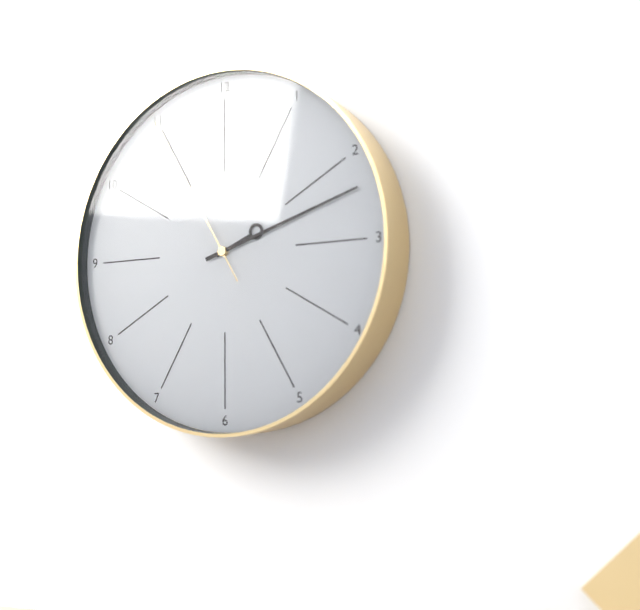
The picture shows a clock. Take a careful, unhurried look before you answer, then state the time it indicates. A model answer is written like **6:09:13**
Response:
**2:12:55**
